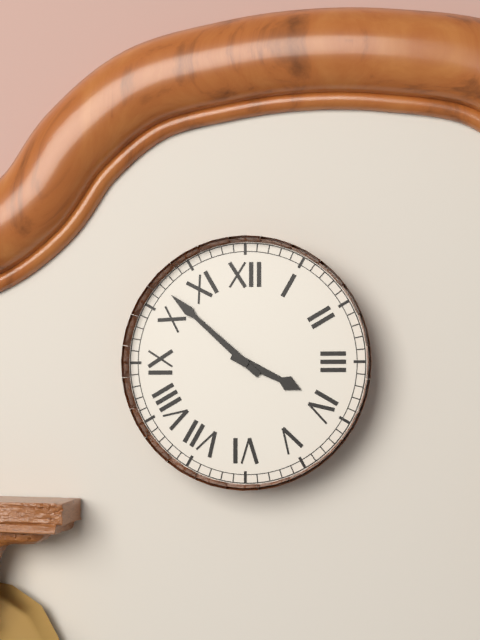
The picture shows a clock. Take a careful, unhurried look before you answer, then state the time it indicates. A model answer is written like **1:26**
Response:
**3:52**
